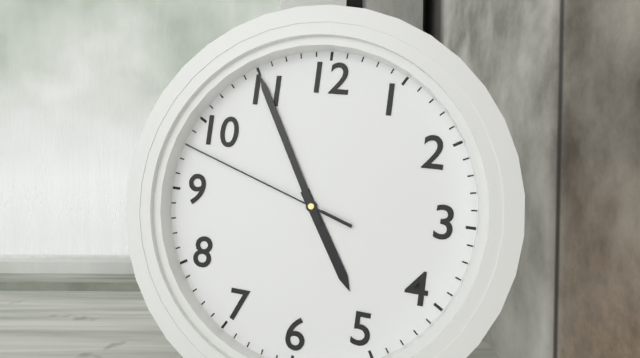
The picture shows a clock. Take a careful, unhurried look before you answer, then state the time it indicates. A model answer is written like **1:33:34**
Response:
**4:55:48**
